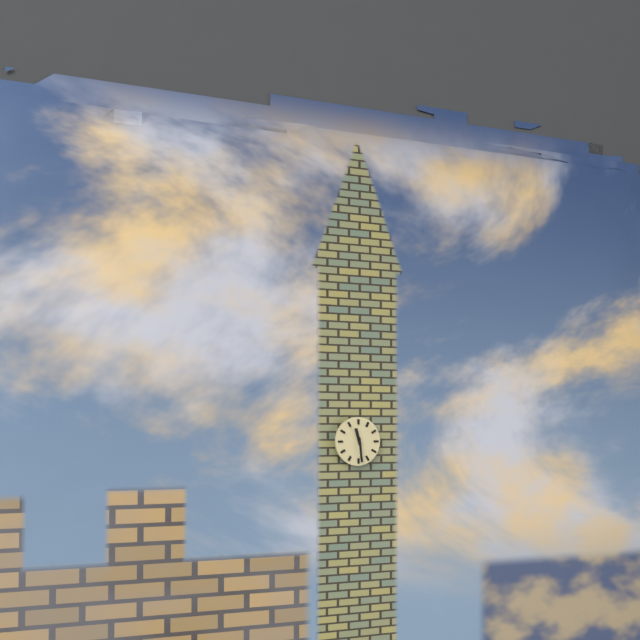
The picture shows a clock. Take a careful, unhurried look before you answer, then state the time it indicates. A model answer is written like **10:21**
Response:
**11:29**
